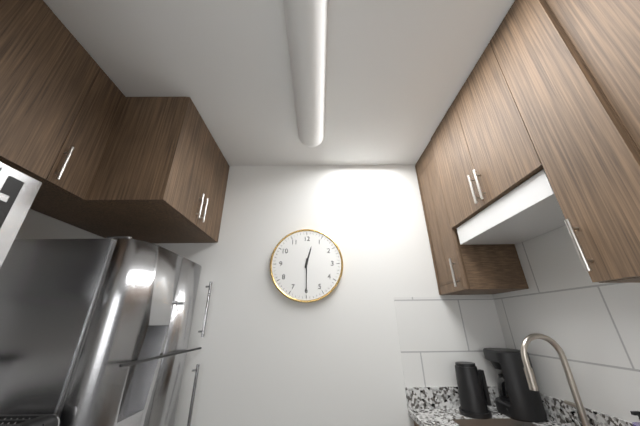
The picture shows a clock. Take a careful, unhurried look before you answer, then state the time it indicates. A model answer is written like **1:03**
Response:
**12:30**
